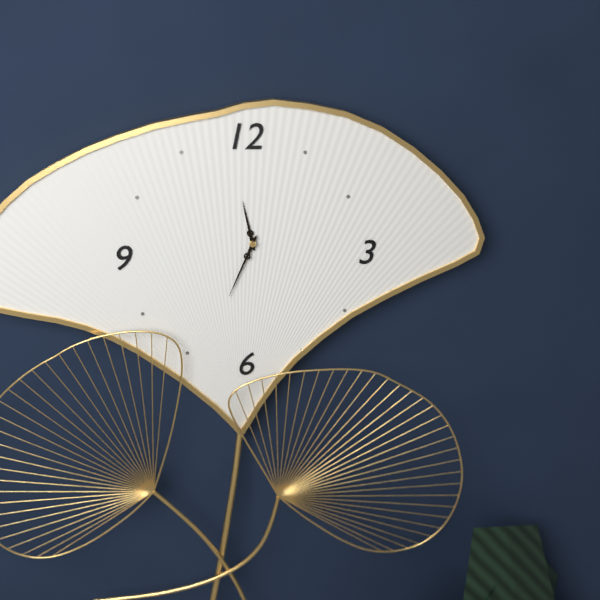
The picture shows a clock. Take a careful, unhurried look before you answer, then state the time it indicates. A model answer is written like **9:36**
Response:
**11:34**
